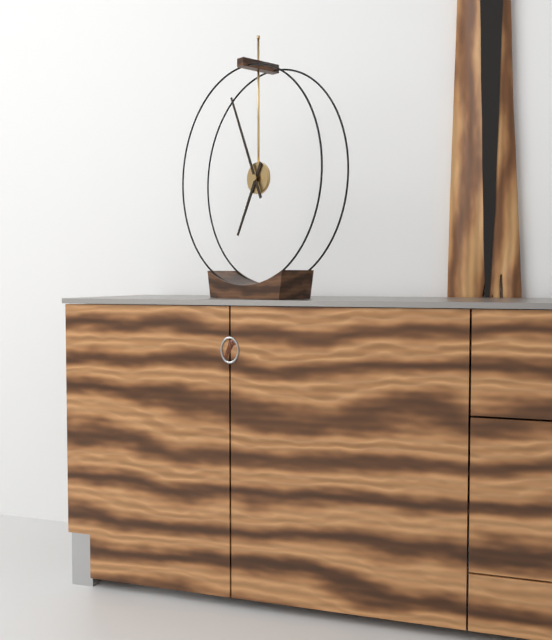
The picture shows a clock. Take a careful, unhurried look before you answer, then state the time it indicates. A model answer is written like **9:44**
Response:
**6:56**
